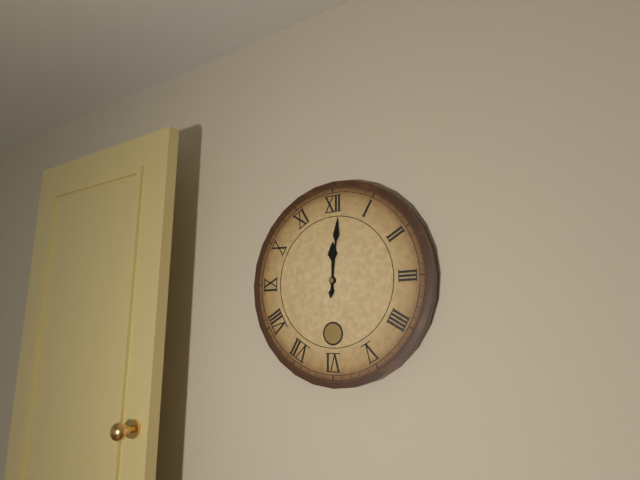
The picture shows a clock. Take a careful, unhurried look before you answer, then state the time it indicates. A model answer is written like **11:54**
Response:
**12:01**
